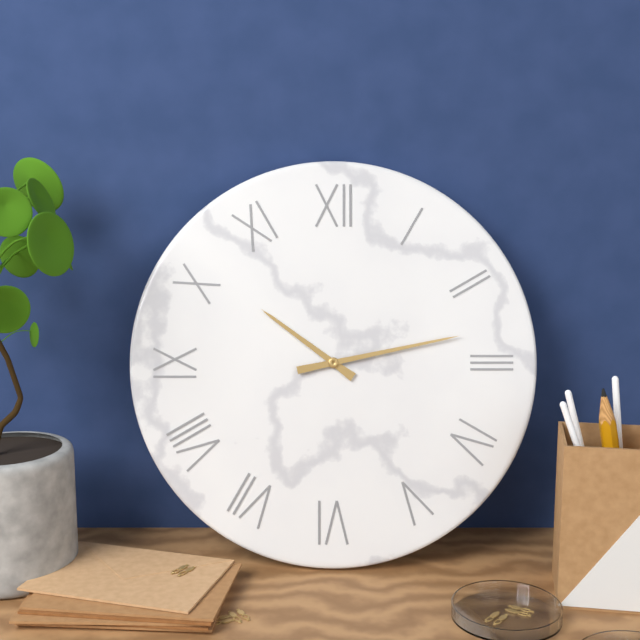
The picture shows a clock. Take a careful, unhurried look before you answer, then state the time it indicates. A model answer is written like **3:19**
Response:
**10:13**
